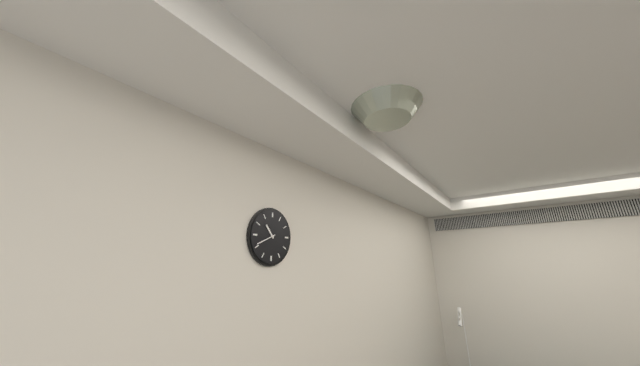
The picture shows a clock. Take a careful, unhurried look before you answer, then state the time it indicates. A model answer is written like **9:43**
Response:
**10:41**
